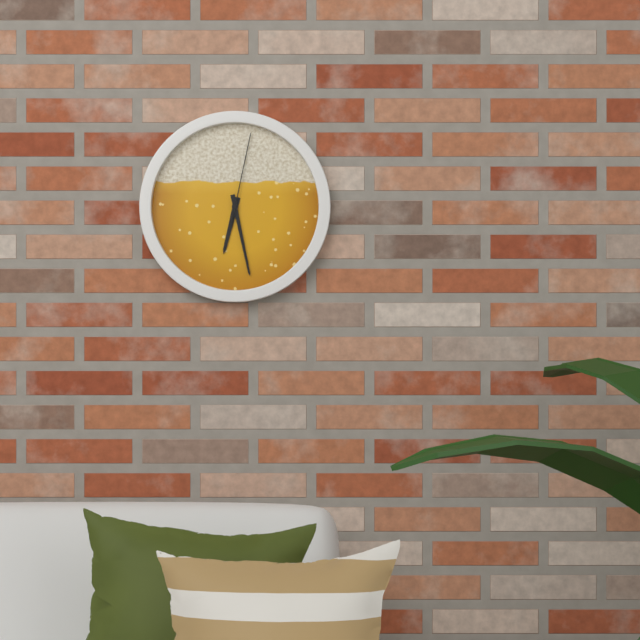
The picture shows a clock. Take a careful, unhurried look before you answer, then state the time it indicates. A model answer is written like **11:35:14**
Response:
**6:28:02**
